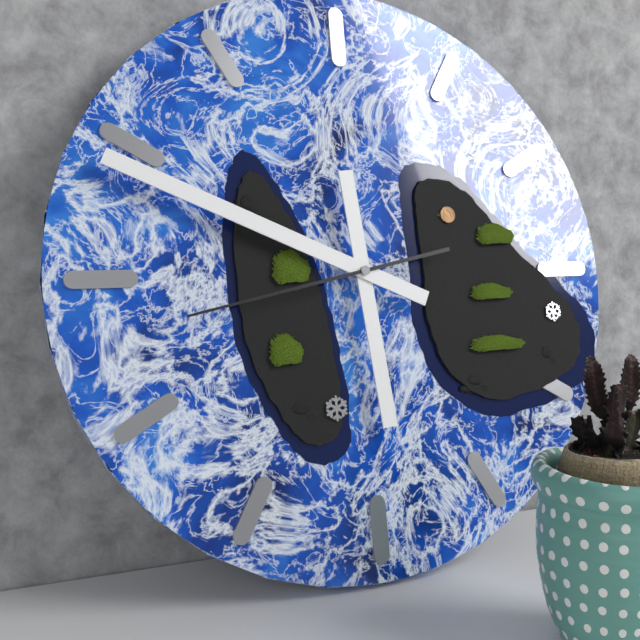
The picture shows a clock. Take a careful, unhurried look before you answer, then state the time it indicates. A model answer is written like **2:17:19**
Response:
**5:49:43**
